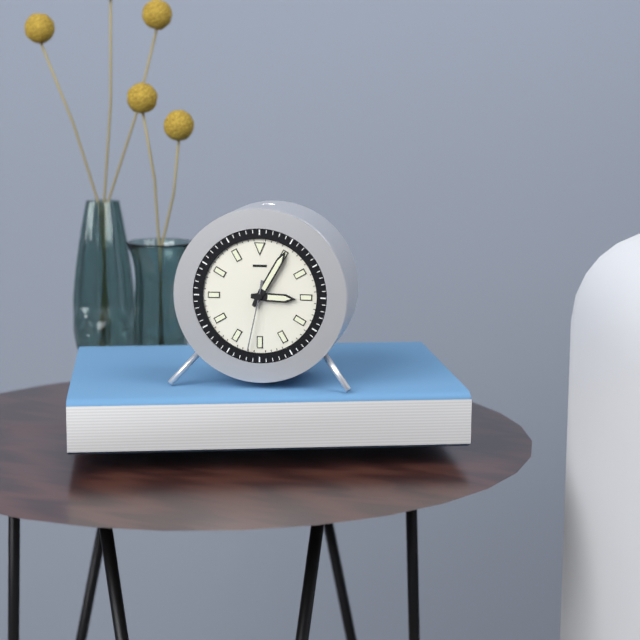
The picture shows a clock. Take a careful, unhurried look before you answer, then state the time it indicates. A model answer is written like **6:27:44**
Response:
**3:05:32**
